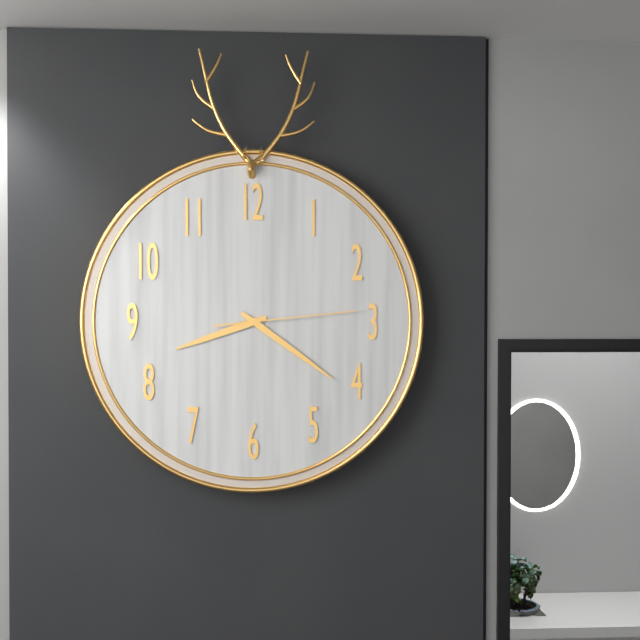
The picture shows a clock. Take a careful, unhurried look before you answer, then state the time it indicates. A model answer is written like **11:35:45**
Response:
**8:21:14**
